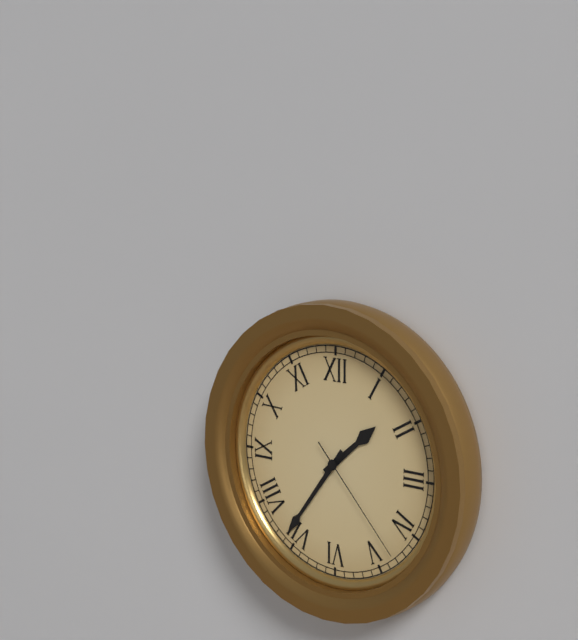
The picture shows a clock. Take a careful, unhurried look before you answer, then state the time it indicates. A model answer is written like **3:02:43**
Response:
**1:36:23**
